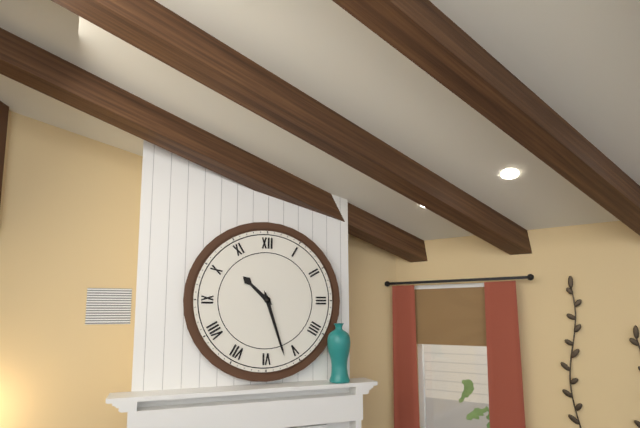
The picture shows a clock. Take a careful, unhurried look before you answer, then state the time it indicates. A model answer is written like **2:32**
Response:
**10:27**
